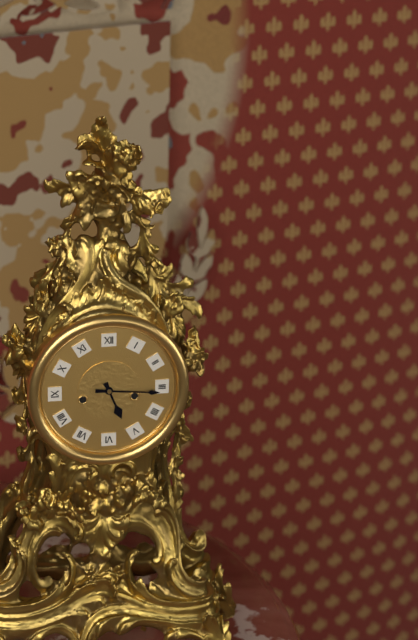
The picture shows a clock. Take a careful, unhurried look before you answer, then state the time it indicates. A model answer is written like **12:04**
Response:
**5:16**
